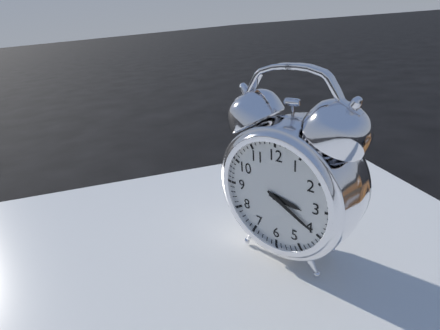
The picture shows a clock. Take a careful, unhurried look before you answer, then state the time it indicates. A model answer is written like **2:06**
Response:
**3:20**
